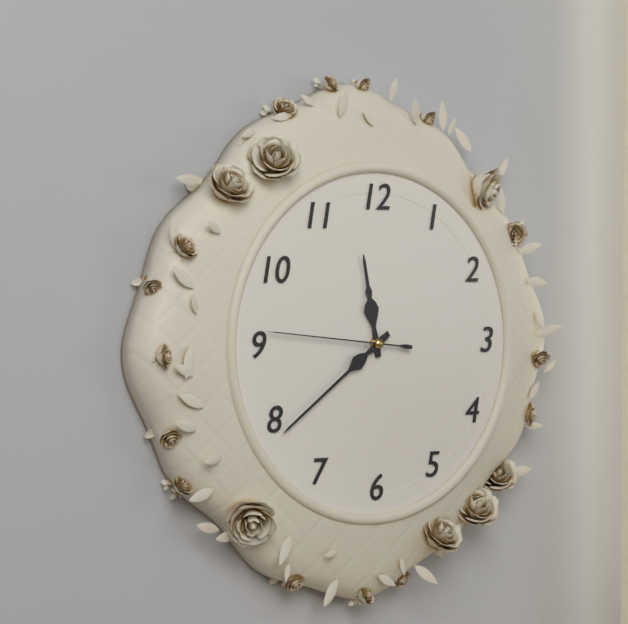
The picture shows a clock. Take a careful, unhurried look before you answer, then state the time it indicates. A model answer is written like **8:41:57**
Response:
**11:39:46**
